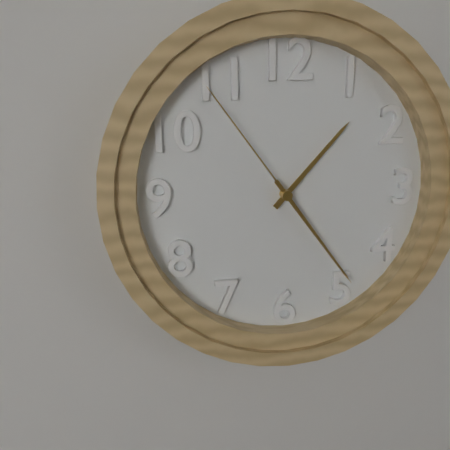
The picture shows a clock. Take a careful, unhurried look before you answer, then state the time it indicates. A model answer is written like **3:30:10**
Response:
**1:24:54**
